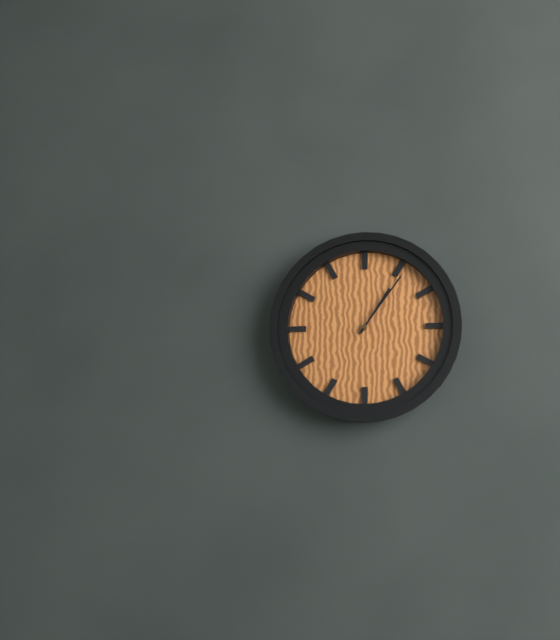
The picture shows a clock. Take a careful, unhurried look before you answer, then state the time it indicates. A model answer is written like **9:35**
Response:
**1:06**
